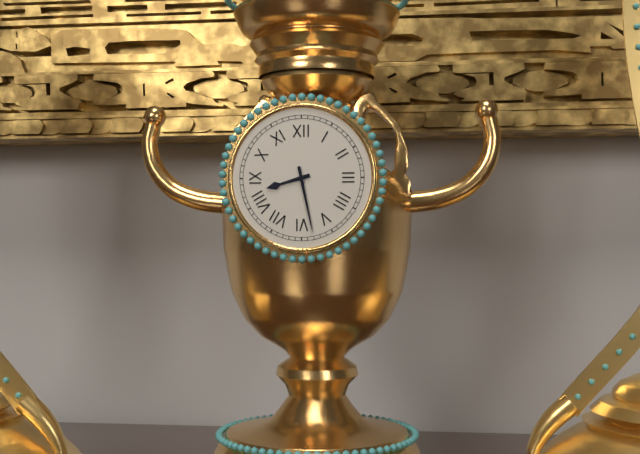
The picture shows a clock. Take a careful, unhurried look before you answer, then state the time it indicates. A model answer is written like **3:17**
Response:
**8:28**
